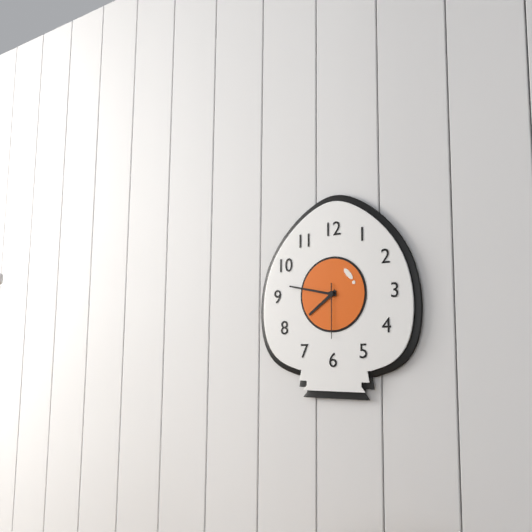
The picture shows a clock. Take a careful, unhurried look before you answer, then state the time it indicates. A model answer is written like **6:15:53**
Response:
**7:47:30**
